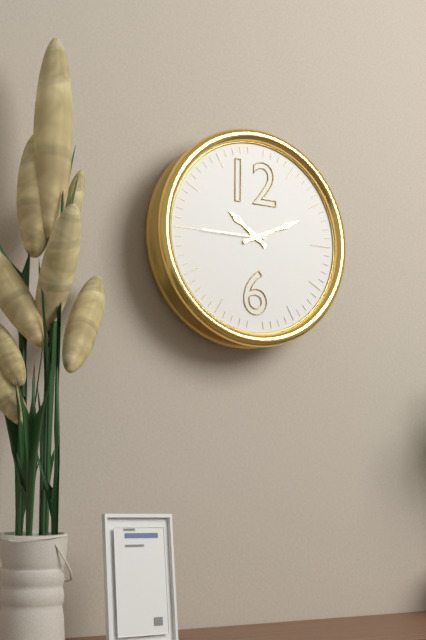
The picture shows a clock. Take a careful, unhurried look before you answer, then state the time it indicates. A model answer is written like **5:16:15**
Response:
**10:11:45**
